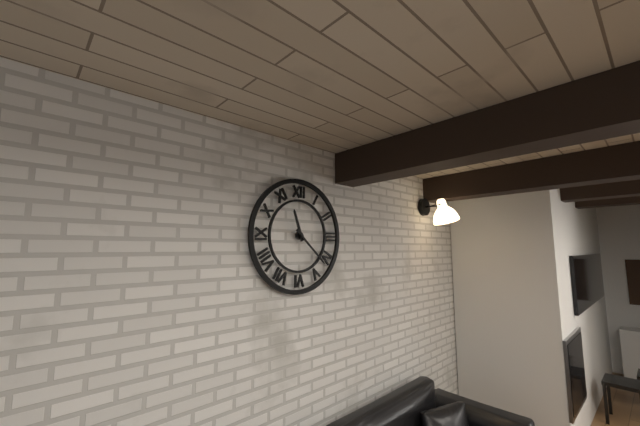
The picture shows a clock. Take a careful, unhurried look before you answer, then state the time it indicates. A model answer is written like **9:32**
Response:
**11:22**
